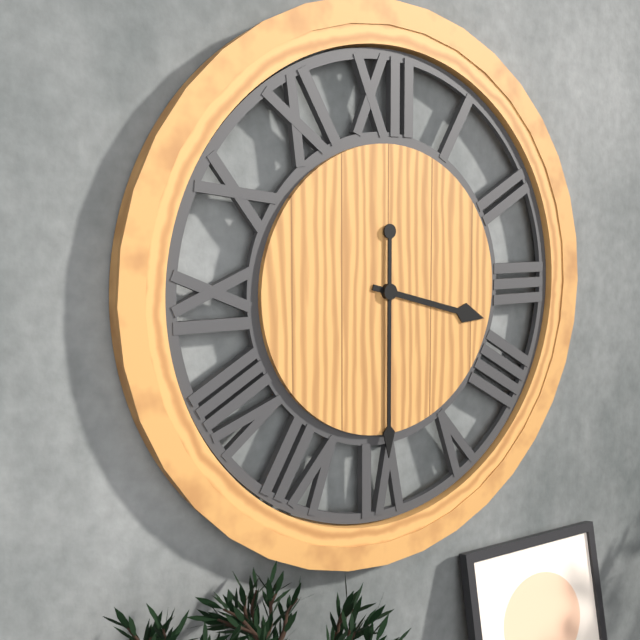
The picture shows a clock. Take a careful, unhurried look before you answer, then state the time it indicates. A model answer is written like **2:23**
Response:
**3:30**
